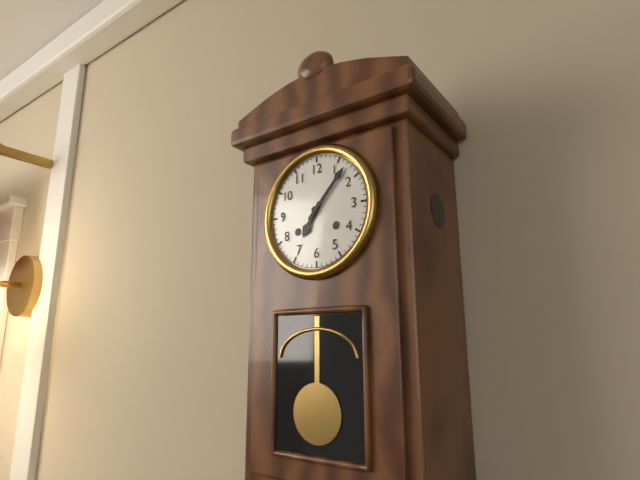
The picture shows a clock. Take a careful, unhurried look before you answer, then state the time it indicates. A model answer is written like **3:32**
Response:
**7:07**
